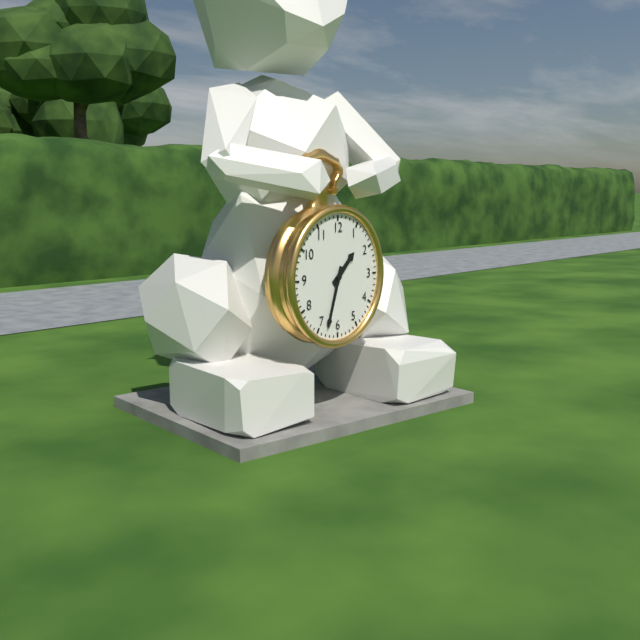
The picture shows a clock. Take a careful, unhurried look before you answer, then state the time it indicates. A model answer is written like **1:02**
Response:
**1:33**
